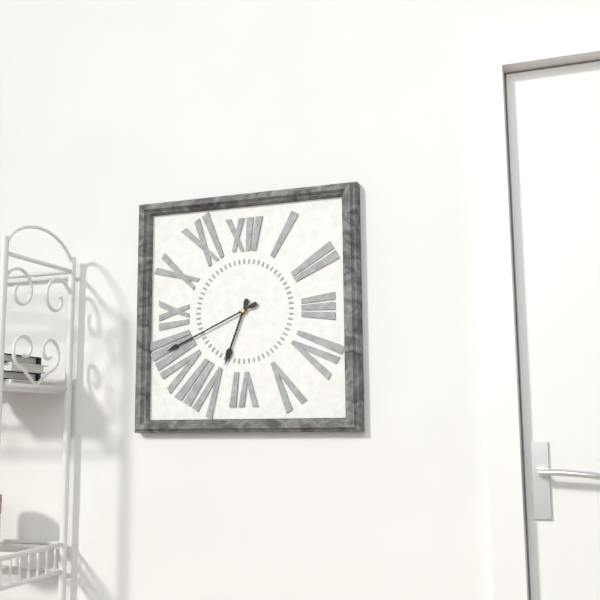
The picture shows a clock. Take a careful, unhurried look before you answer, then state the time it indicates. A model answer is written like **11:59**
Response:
**6:41**
